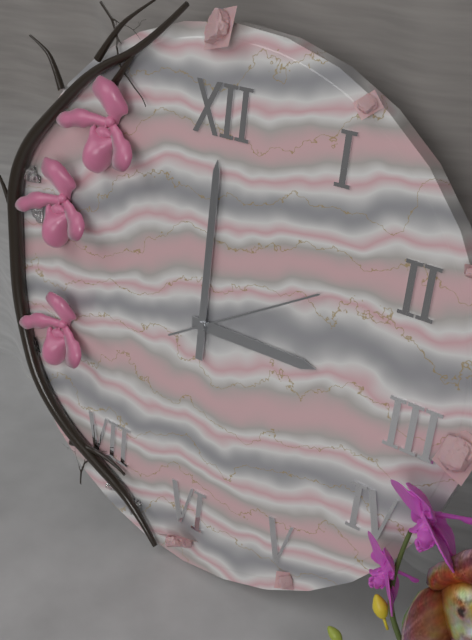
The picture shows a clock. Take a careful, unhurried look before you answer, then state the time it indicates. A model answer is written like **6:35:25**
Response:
**3:00:10**
